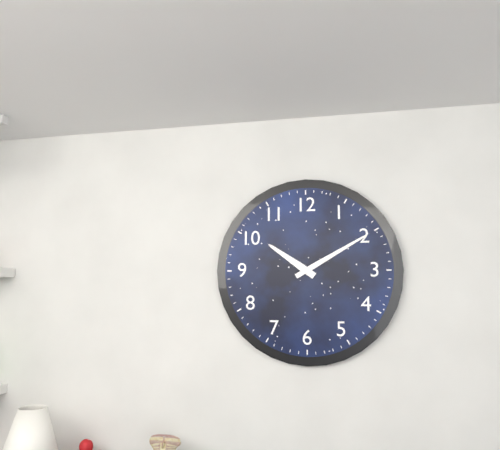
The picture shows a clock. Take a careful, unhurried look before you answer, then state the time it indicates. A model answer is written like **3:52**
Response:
**10:10**
